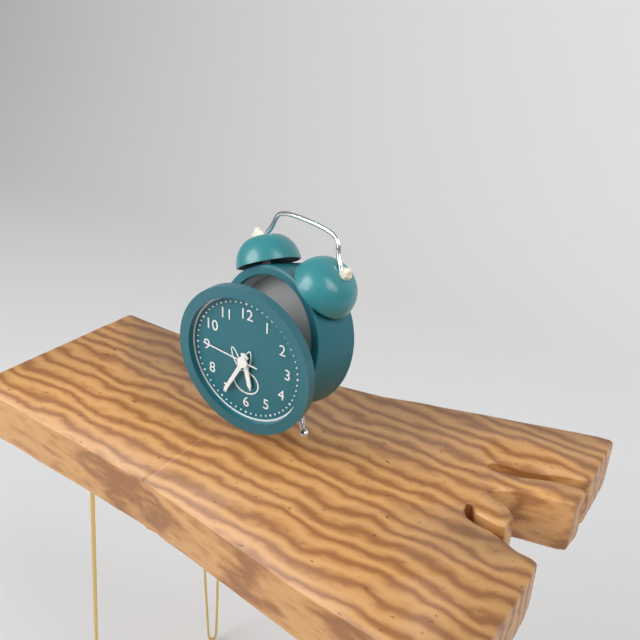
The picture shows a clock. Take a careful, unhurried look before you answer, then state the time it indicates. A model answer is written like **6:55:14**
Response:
**5:35:46**
